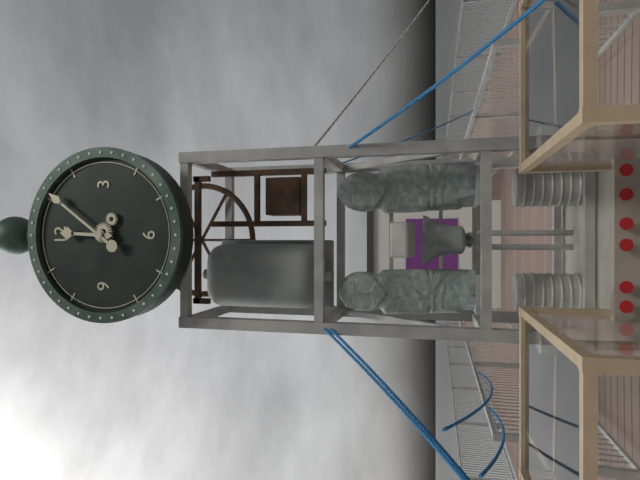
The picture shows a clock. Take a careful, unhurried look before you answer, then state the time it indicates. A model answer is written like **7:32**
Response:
**12:06**
